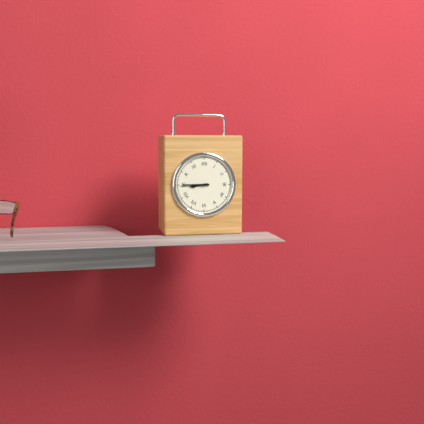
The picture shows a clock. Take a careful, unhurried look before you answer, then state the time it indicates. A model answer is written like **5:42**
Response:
**8:45**
